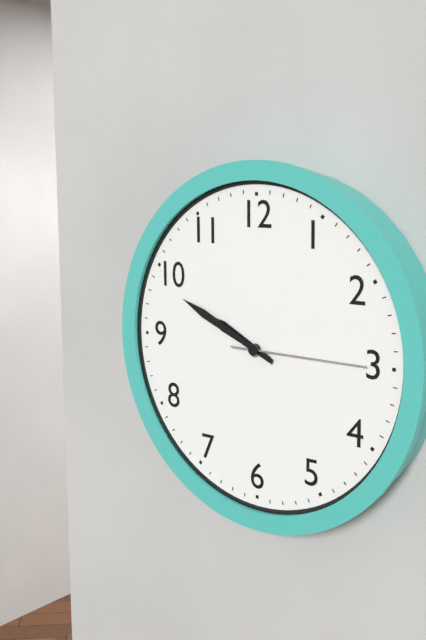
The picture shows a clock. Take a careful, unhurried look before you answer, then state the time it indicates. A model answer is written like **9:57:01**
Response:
**9:49:15**
